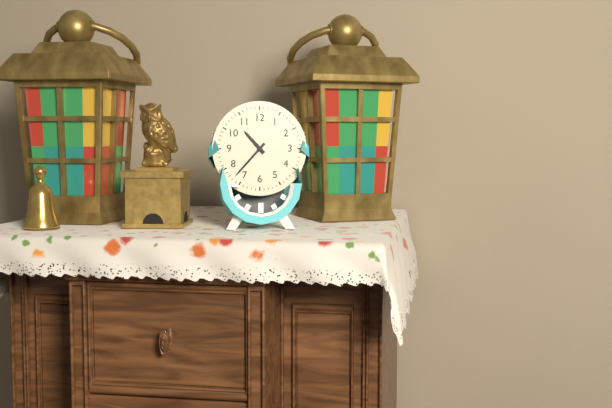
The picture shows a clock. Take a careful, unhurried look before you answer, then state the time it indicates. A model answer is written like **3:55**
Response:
**10:37**
